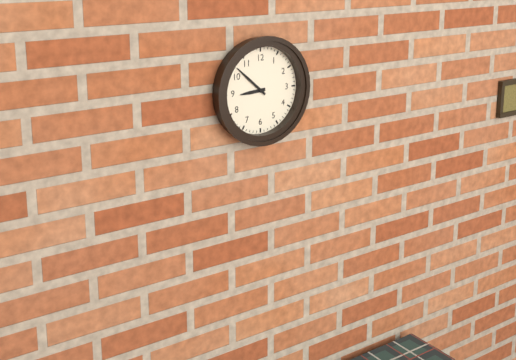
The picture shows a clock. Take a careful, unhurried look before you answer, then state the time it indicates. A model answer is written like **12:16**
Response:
**8:52**
